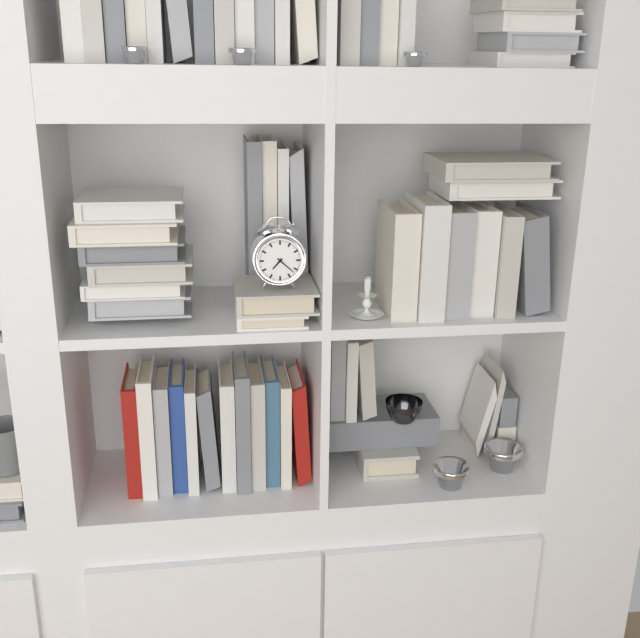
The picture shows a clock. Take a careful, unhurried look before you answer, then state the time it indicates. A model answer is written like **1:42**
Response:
**7:22**
